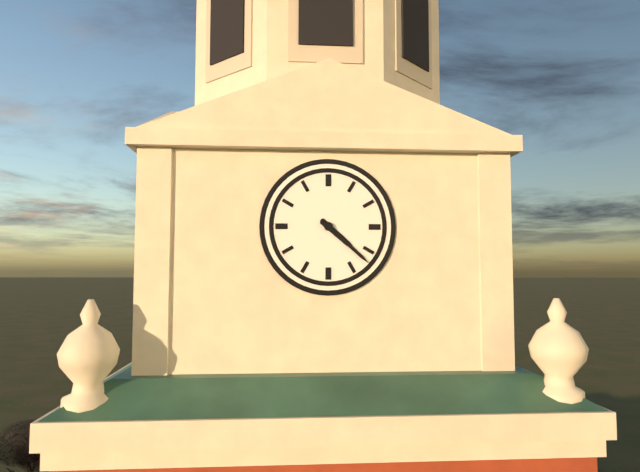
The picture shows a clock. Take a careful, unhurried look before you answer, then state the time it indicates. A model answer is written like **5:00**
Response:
**4:22**
